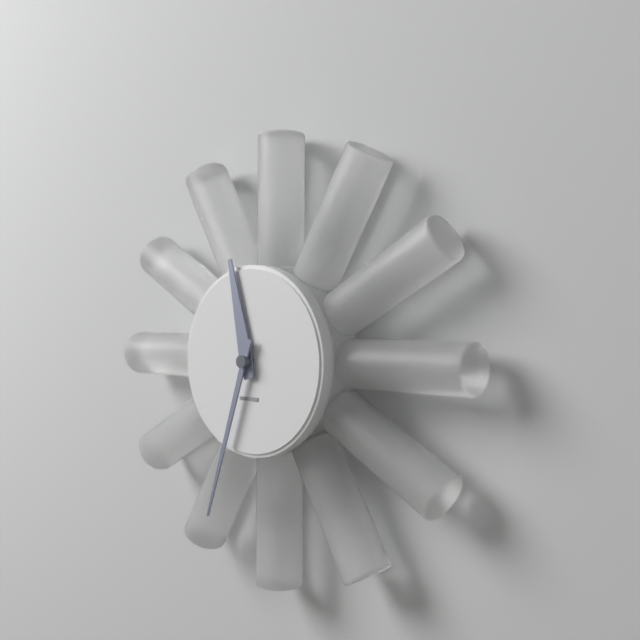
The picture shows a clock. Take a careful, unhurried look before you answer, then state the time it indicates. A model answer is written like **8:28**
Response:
**11:33**
